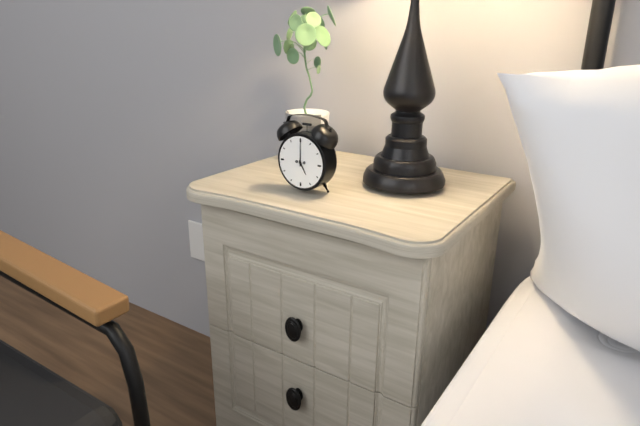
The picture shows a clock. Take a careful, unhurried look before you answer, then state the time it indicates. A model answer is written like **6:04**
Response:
**5:00**
